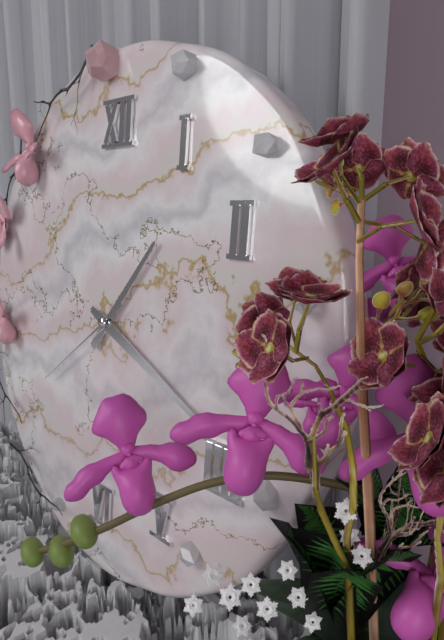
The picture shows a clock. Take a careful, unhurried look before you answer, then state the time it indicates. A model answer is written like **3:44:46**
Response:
**1:19:39**
